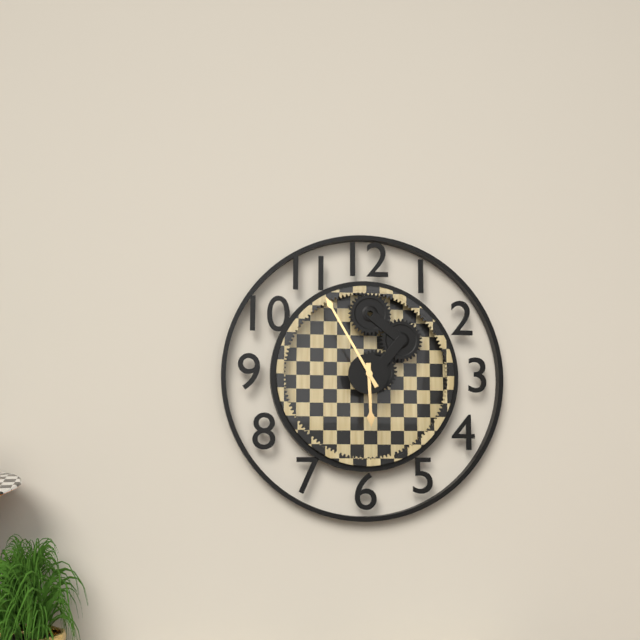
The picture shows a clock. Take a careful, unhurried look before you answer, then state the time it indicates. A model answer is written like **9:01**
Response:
**5:55**
